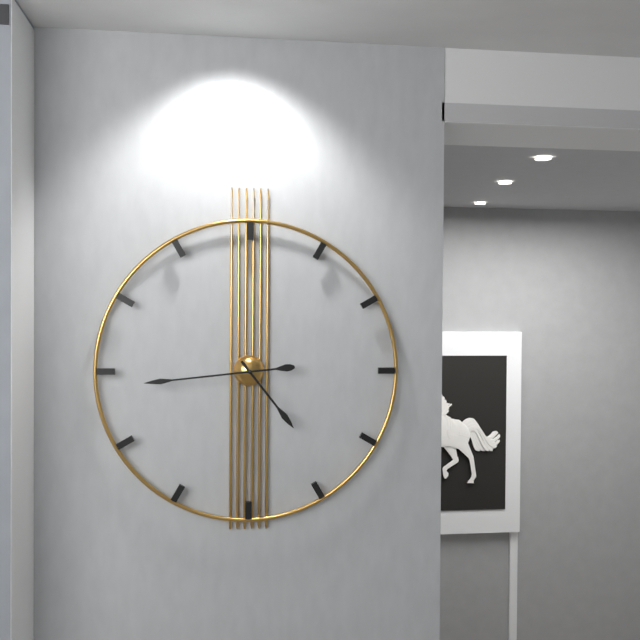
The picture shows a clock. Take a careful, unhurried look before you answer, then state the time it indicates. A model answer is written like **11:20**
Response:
**4:44**
